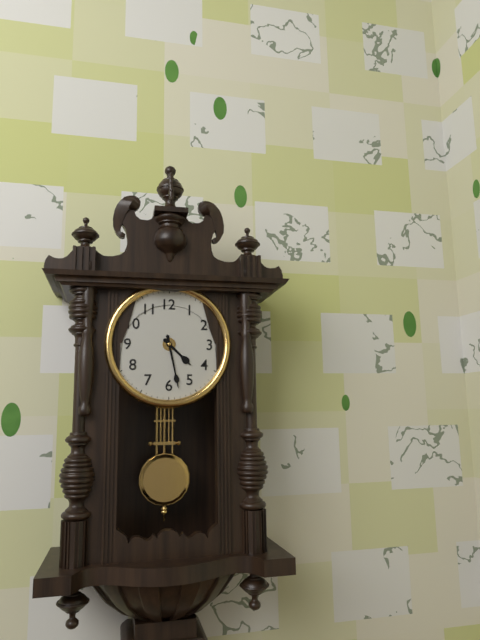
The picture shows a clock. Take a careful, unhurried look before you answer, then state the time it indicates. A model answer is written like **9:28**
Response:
**4:28**
